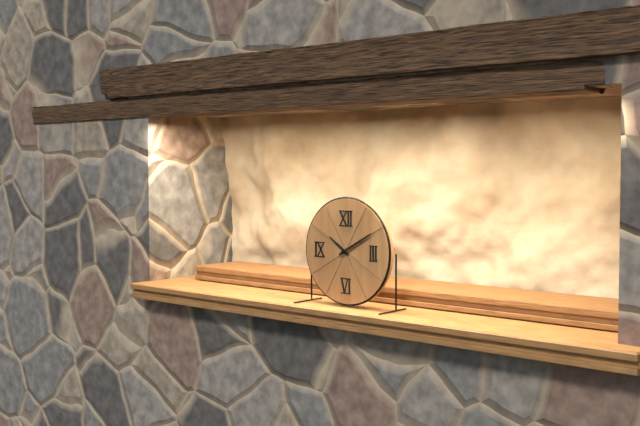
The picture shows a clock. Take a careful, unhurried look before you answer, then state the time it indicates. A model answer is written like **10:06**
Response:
**10:10**
